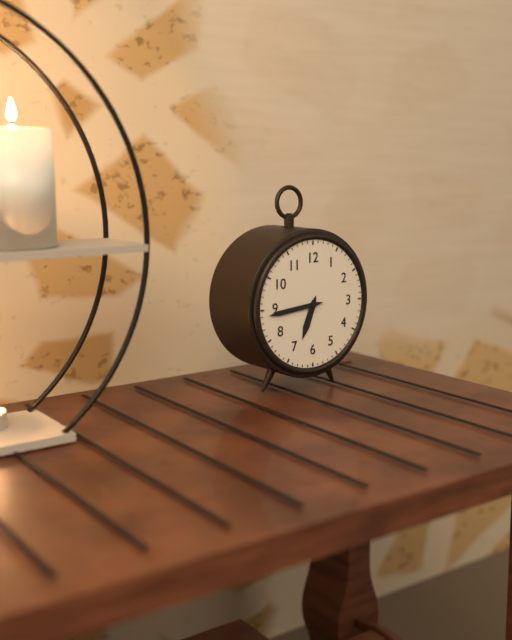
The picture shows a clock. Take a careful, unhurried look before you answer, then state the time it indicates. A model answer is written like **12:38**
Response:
**6:44**
